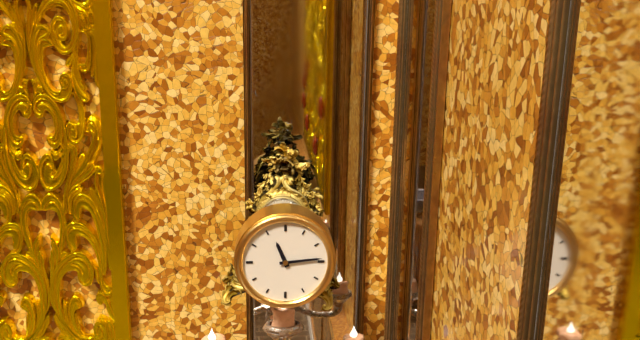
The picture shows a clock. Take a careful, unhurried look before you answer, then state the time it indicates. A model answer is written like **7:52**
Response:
**11:14**
